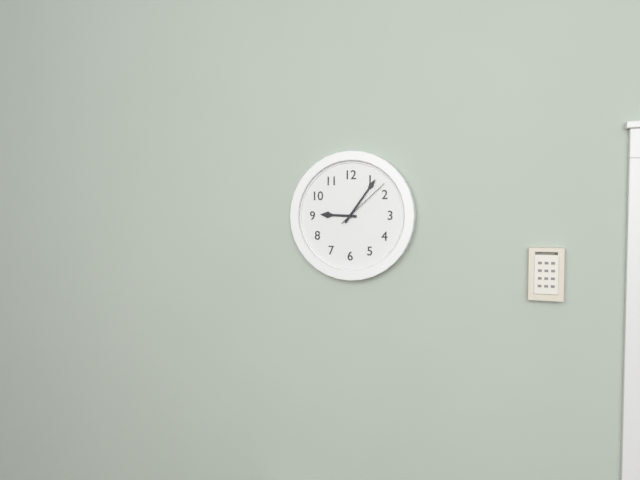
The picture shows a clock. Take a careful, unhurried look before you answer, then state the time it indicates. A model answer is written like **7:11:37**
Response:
**9:06:08**
